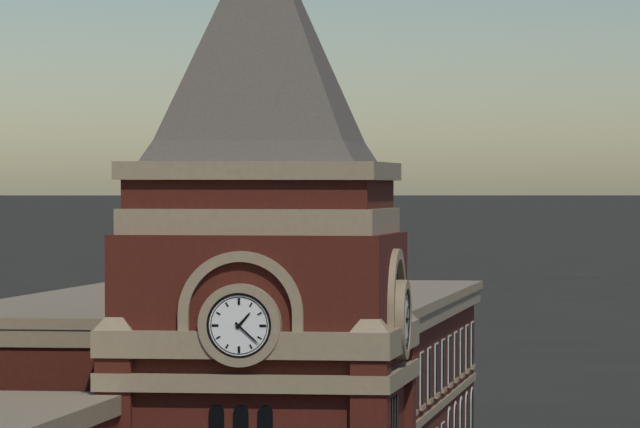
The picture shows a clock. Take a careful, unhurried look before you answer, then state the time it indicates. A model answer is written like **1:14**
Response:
**1:22**
